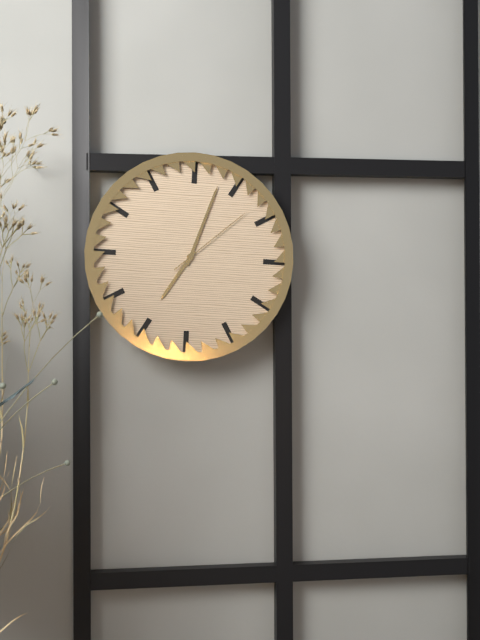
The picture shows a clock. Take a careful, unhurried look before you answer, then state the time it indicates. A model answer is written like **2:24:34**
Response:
**7:03:08**
